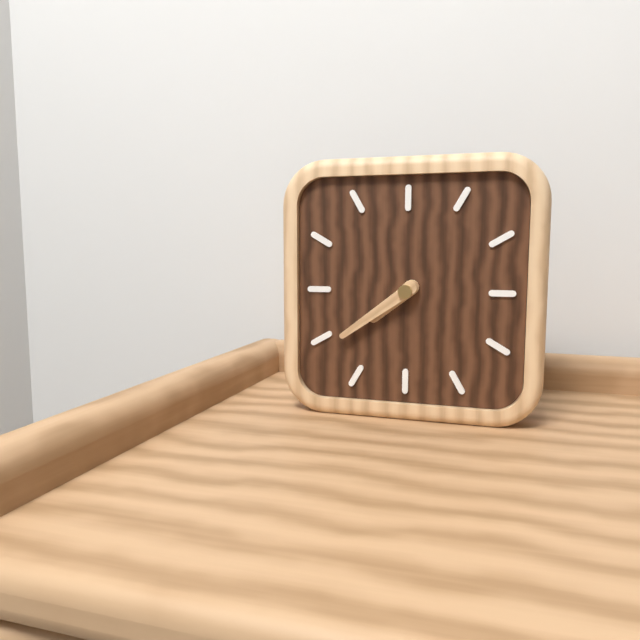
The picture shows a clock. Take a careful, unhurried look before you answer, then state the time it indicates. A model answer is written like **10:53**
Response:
**7:39**
